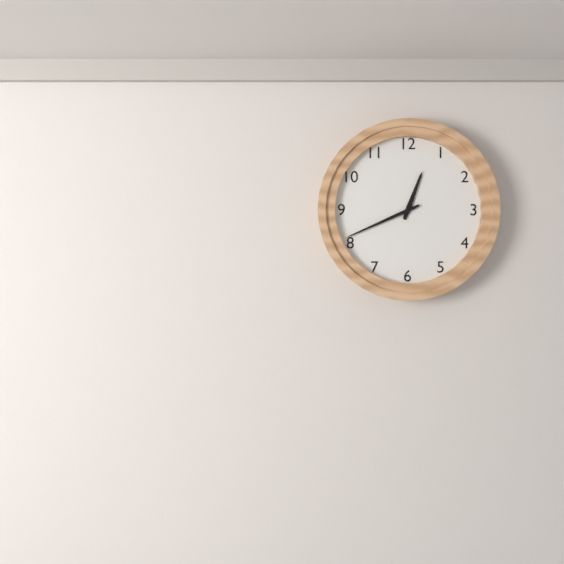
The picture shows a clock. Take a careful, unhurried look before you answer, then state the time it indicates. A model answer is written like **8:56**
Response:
**12:41**
